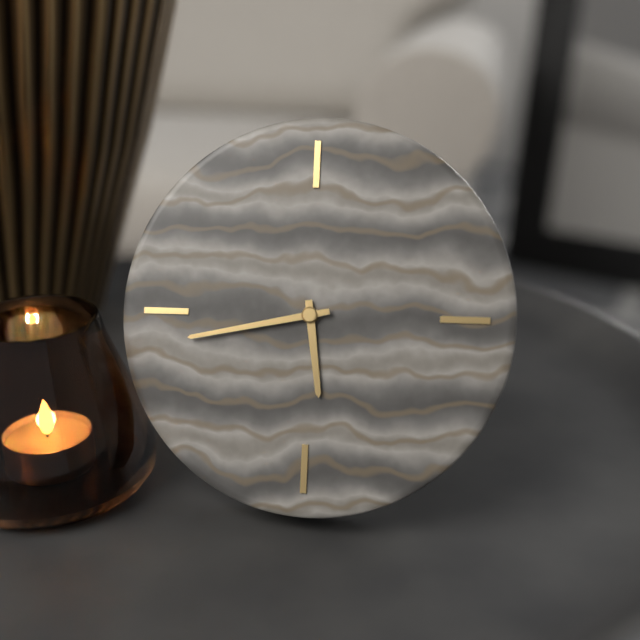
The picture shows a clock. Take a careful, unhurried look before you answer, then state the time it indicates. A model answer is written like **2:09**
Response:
**5:43**
